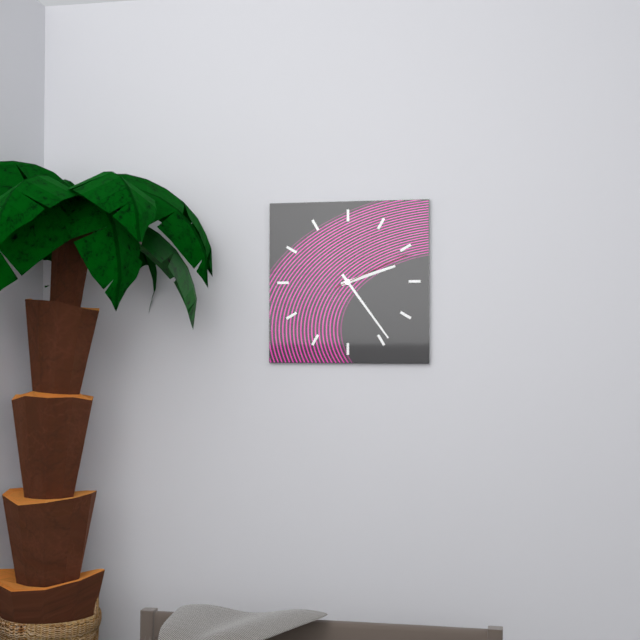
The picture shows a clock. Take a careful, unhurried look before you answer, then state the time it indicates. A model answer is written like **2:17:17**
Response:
**2:24:11**
